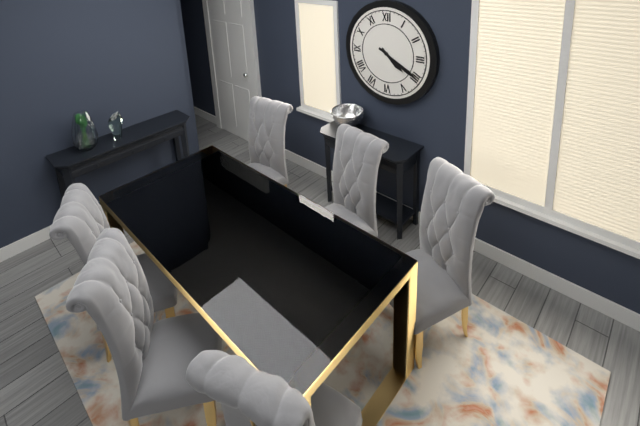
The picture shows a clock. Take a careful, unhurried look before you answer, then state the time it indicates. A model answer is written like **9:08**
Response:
**4:20**
